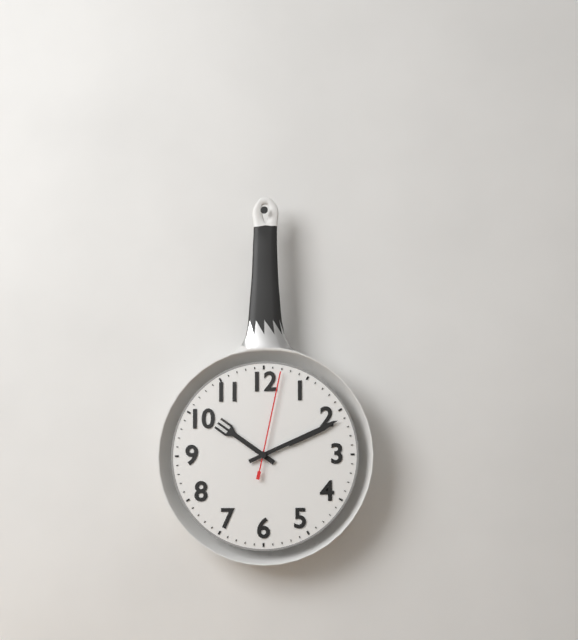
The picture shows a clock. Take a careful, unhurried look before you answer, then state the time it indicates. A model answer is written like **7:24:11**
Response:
**10:11:02**
